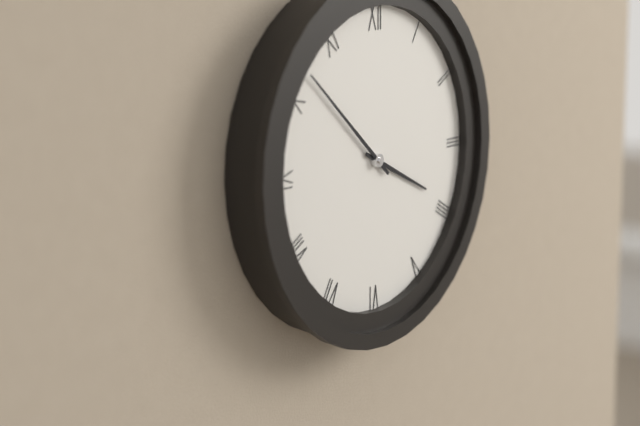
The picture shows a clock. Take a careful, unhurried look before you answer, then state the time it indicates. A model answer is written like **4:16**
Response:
**3:52**
